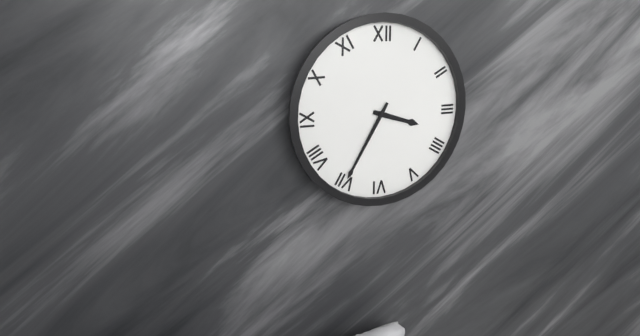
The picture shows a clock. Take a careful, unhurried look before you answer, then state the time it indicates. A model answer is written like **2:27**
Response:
**3:35**
